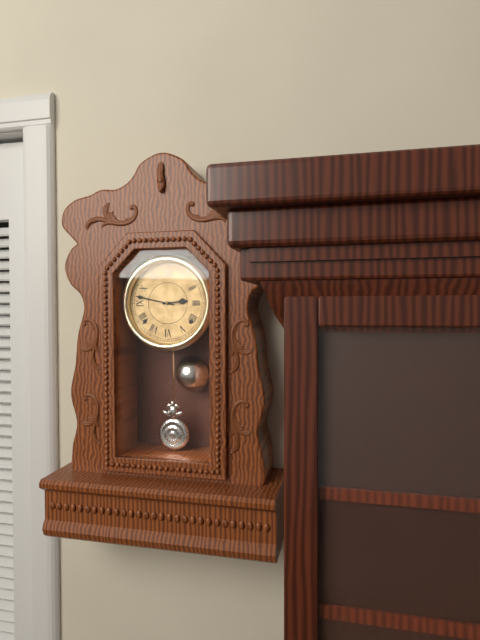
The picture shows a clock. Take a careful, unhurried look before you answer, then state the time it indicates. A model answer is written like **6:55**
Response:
**2:47**
